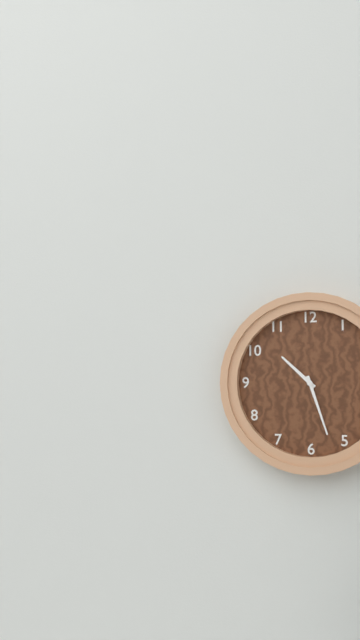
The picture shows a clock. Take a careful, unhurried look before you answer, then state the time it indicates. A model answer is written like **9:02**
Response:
**10:27**
